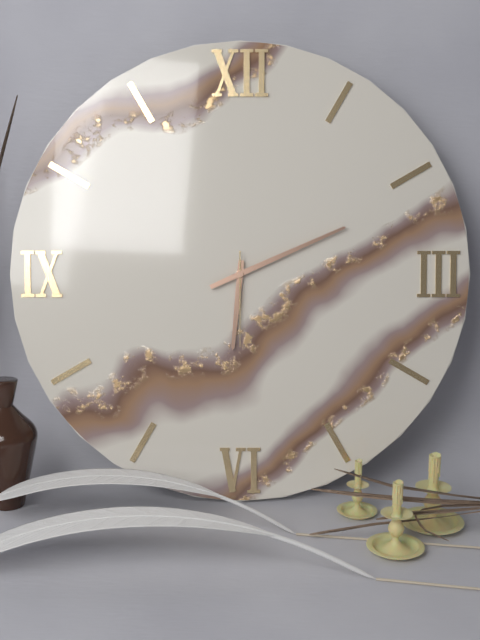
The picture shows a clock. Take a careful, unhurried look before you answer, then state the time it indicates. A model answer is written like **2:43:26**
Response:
**6:11:30**
